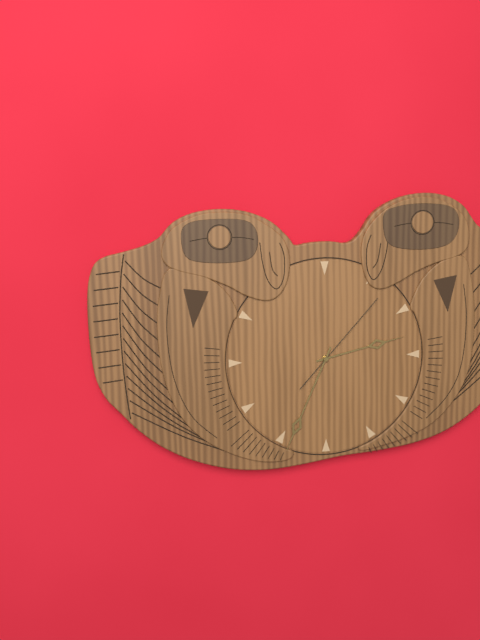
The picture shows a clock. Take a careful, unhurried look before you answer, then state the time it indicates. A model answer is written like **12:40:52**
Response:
**2:34:07**
